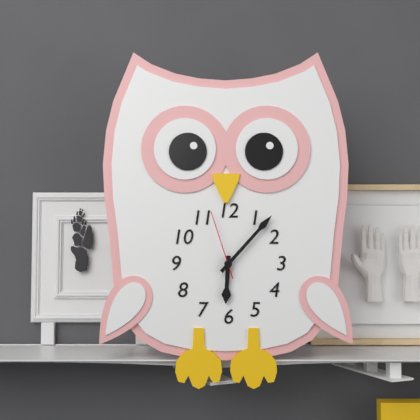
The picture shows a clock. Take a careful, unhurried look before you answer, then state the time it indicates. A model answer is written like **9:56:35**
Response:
**6:07:57**
